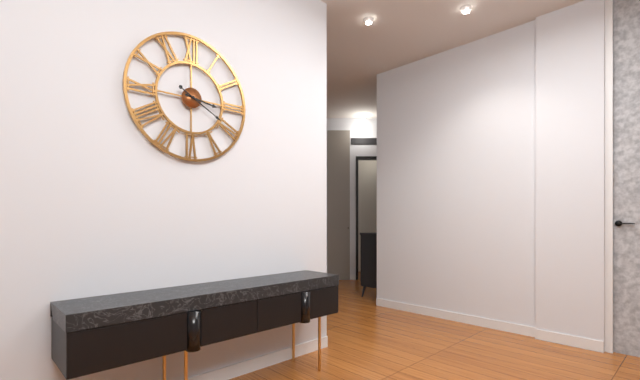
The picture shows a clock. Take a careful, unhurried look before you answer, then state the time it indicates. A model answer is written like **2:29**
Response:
**3:20**
